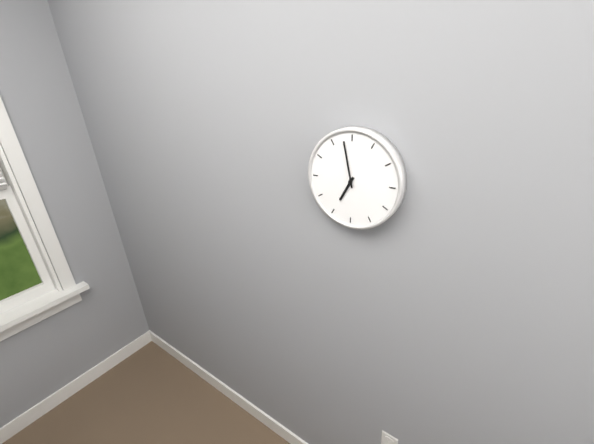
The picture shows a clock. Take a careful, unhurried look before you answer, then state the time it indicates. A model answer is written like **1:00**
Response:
**6:58**
